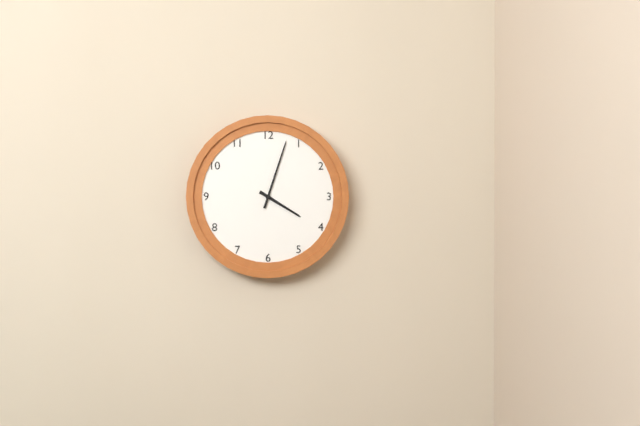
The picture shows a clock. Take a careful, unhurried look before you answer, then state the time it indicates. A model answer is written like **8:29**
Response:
**4:03**
